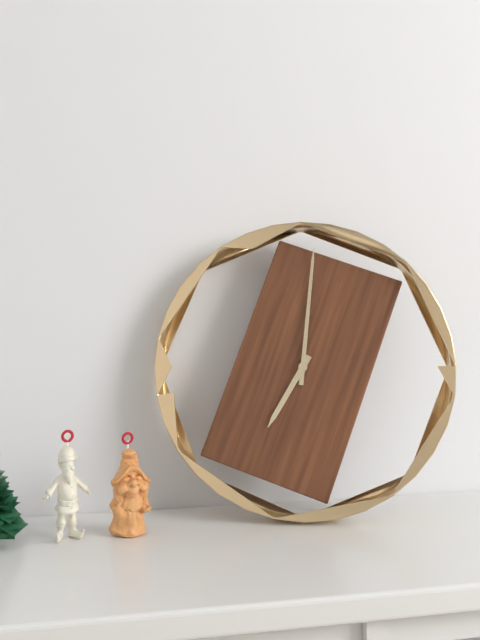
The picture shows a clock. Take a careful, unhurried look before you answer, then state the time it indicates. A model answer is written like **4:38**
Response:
**7:01**
